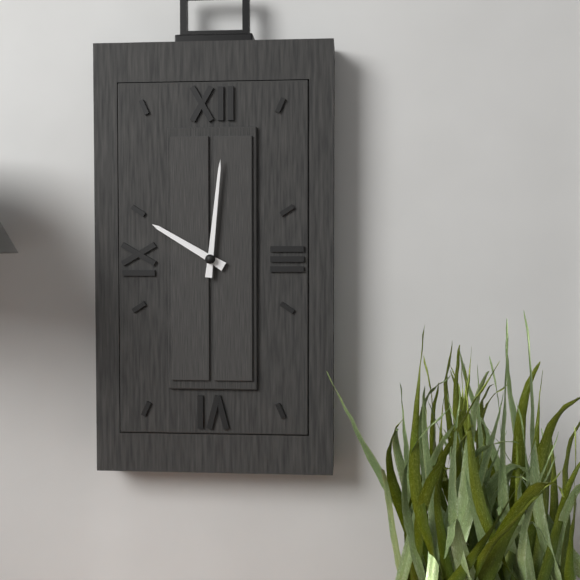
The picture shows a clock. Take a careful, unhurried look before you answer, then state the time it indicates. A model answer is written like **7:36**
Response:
**10:01**
